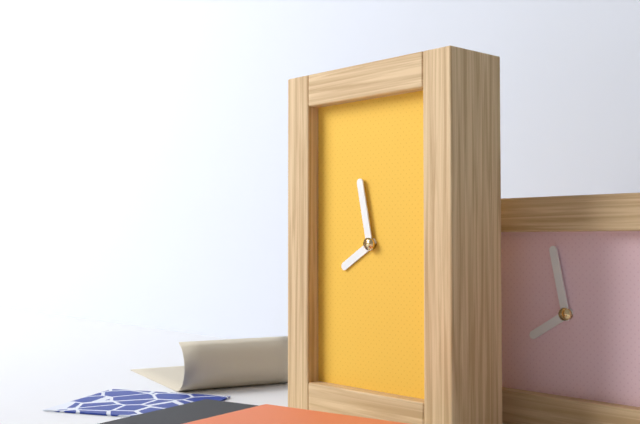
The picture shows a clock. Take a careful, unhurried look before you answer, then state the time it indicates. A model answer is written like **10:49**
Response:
**7:58**
